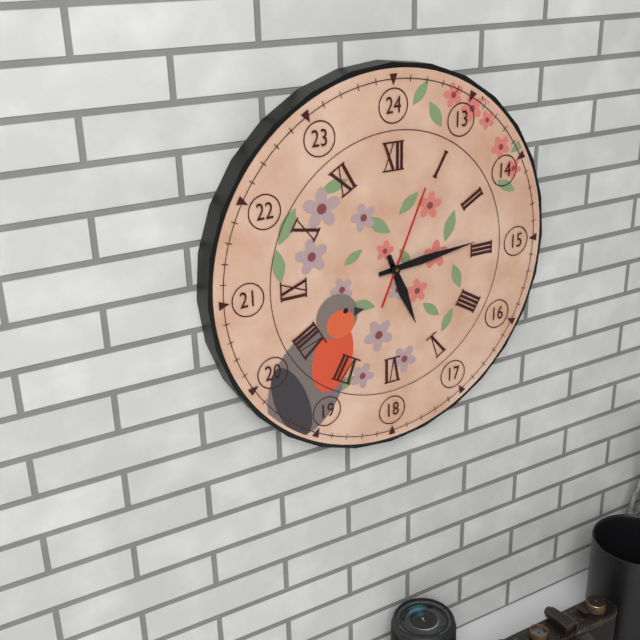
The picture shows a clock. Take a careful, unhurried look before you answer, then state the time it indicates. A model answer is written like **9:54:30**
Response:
**5:14:04**
